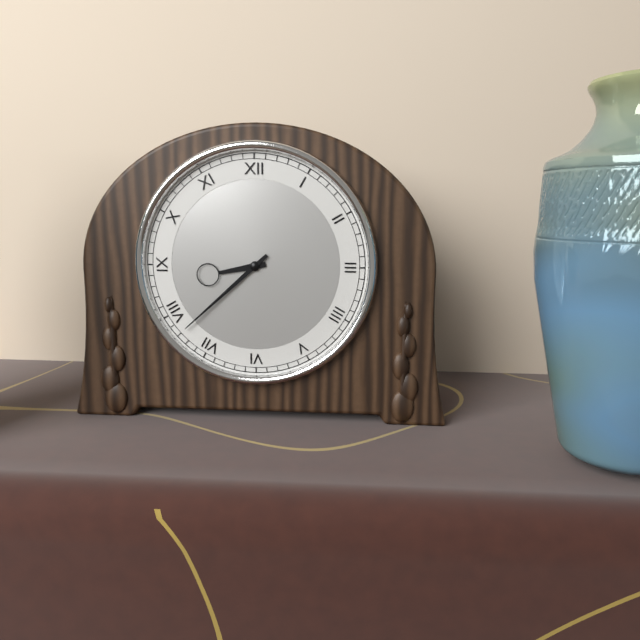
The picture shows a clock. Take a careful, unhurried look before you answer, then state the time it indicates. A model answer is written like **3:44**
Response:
**8:38**
